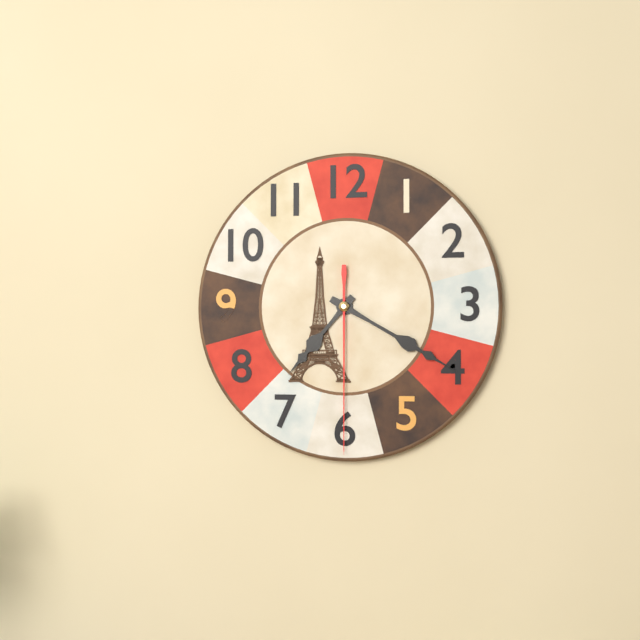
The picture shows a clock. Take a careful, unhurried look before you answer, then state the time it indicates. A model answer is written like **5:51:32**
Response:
**7:20:30**
